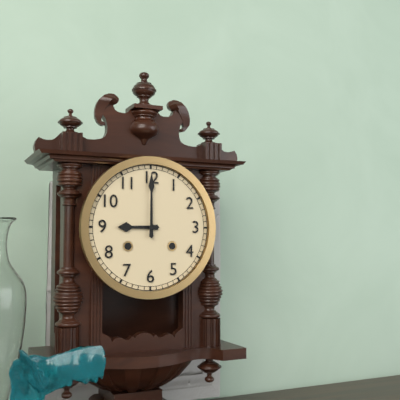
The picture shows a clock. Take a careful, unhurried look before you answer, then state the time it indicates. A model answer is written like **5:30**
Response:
**9:00**
